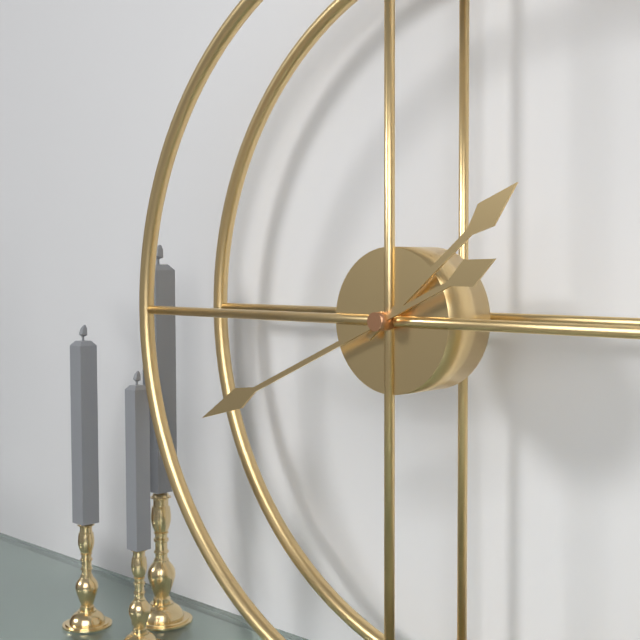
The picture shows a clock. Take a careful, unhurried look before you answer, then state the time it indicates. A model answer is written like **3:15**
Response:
**1:41**
